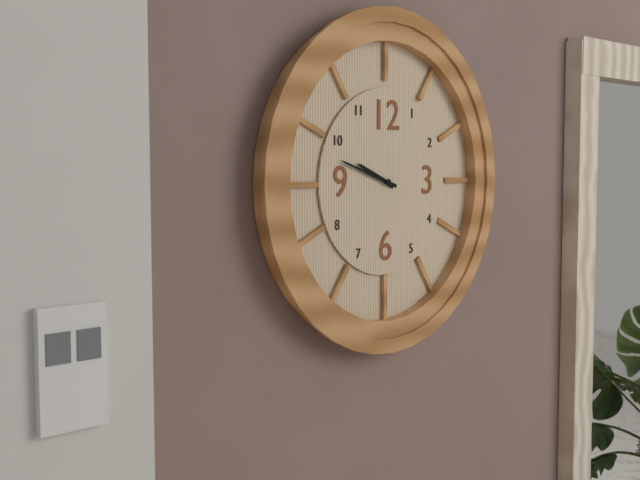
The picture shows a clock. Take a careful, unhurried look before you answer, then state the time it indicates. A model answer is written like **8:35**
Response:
**9:48**
